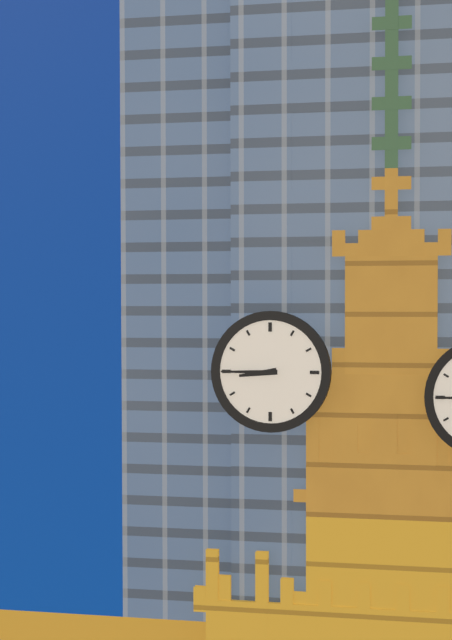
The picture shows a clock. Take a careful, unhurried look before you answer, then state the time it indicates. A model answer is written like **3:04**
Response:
**8:45**
